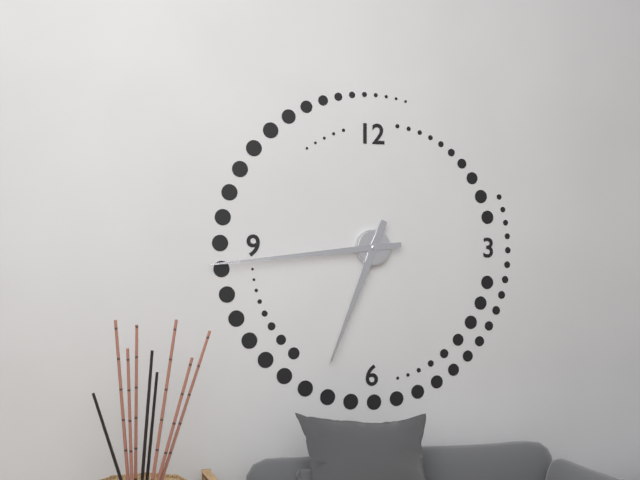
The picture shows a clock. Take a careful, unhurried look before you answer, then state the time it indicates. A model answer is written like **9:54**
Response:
**6:44**
